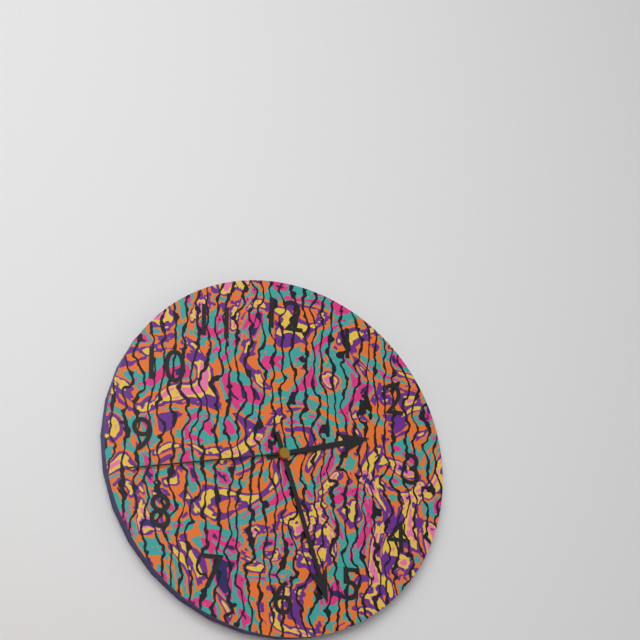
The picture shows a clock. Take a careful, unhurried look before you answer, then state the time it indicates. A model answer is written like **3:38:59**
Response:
**2:27:43**
